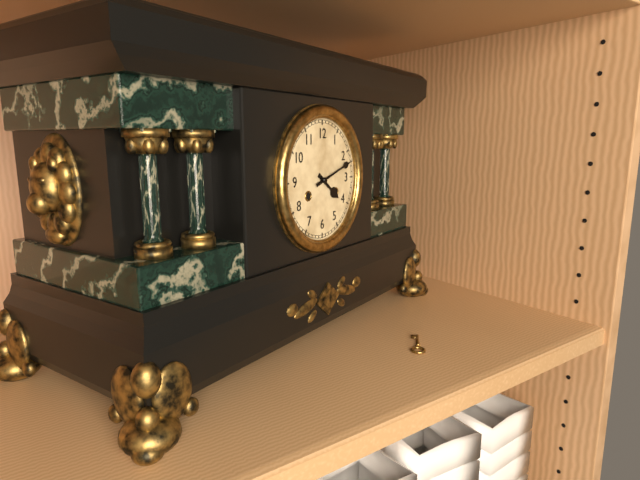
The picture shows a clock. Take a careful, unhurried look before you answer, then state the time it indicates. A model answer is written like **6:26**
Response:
**4:12**
